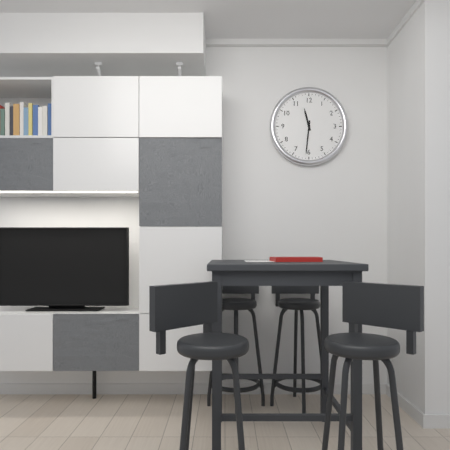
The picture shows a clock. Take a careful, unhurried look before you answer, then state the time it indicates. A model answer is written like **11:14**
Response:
**11:31**
